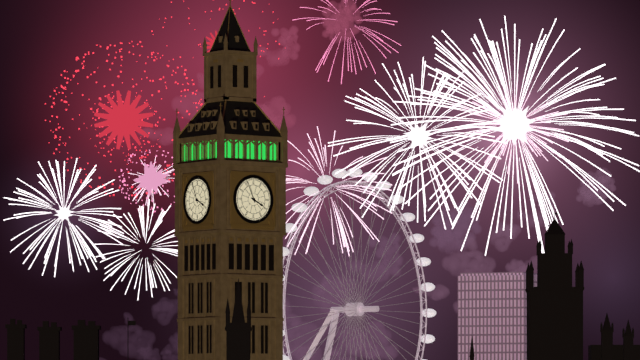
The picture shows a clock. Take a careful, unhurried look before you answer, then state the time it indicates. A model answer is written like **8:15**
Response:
**3:56**
